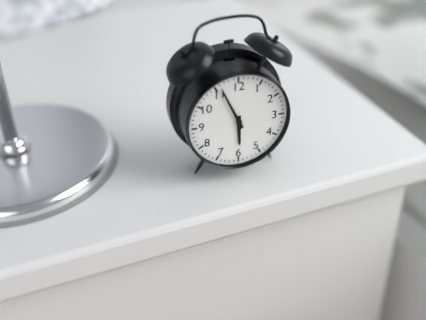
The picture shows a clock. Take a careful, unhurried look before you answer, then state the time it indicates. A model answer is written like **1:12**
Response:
**5:56**
